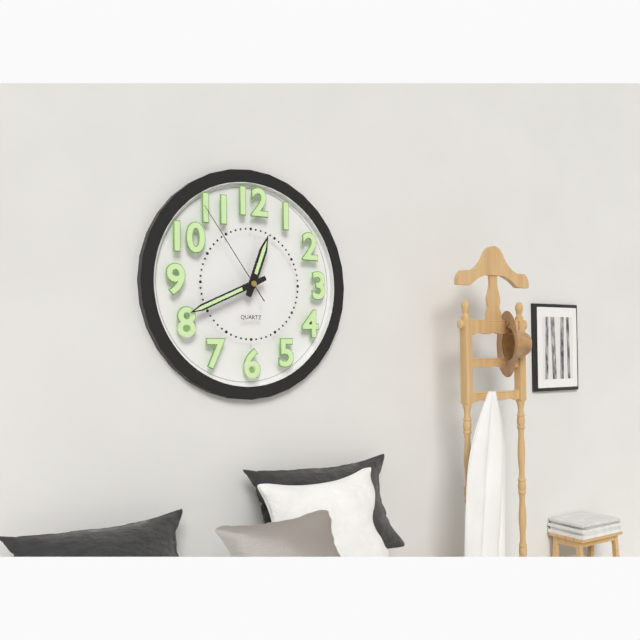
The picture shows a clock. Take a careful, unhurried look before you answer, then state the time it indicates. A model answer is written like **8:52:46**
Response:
**12:41:54**
